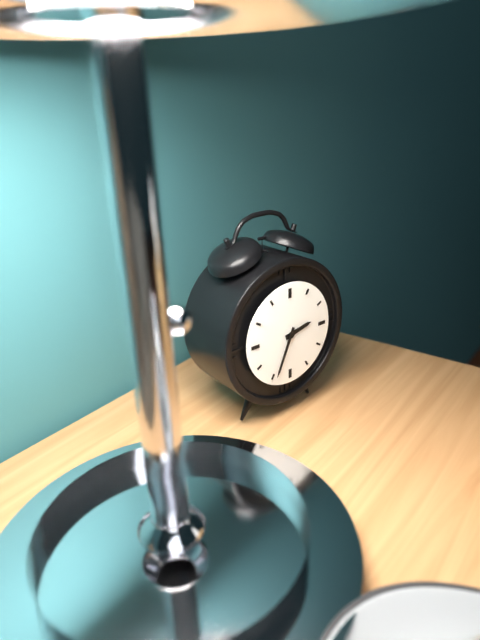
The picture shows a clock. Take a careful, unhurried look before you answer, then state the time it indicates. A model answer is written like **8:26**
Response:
**2:34**
